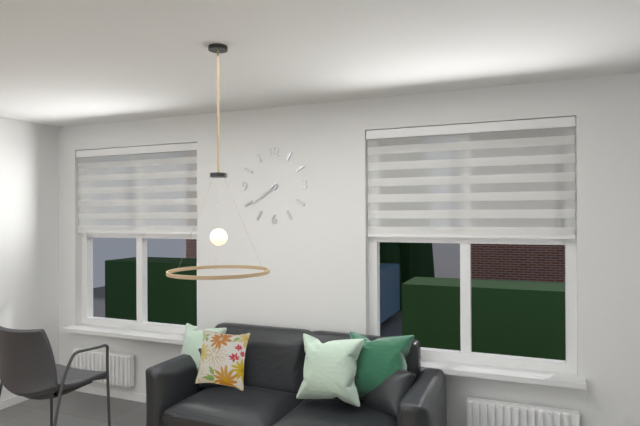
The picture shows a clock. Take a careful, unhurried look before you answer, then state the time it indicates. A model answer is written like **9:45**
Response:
**7:39**
